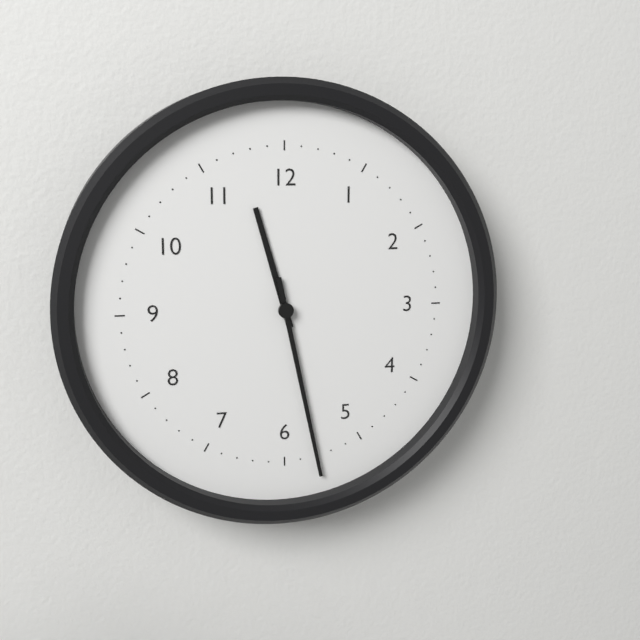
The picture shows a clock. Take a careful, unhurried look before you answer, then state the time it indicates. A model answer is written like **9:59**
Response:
**11:28**
